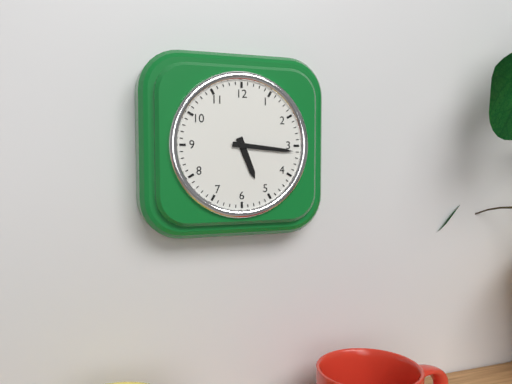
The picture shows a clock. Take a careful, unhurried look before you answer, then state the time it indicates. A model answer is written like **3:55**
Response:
**5:16**
